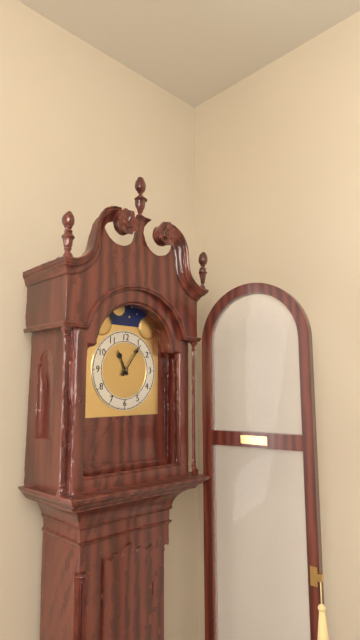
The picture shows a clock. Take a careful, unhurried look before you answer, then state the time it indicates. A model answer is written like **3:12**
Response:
**11:06**
